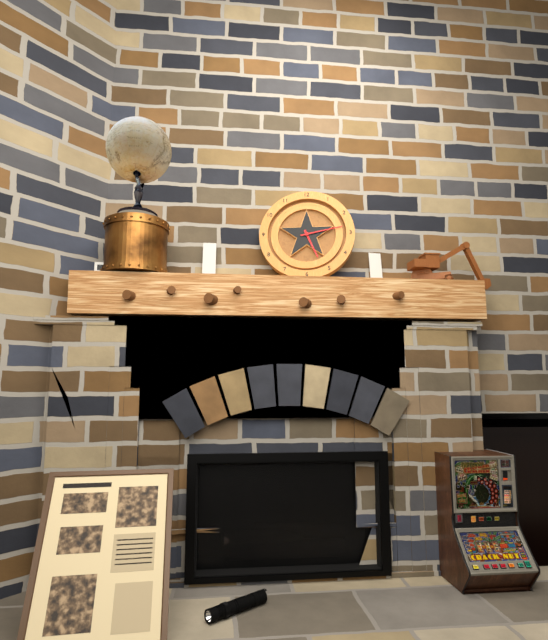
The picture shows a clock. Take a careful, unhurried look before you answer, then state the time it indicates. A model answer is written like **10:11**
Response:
**5:13**
